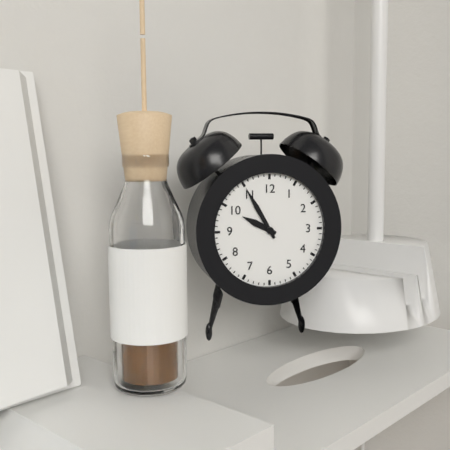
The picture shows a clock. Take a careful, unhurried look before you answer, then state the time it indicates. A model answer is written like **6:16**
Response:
**9:55**
